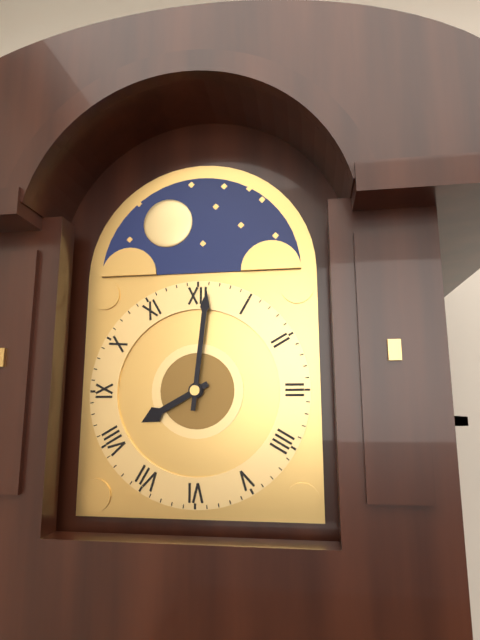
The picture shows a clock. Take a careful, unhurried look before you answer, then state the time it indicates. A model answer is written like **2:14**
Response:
**8:01**
